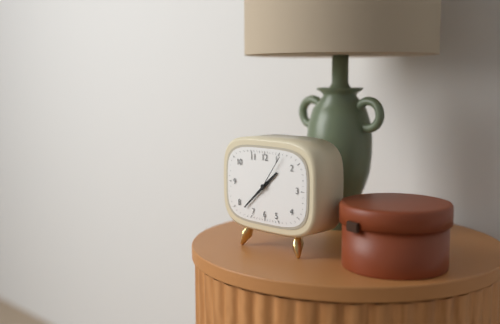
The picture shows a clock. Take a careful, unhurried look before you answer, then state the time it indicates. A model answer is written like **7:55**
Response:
**1:38**
